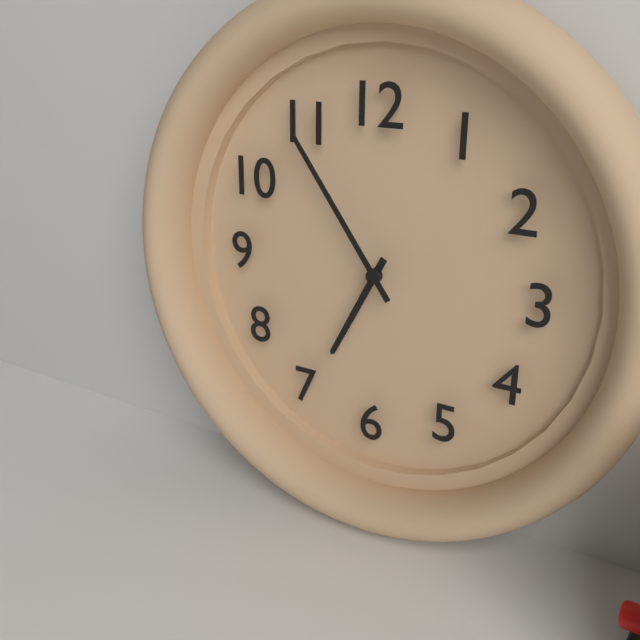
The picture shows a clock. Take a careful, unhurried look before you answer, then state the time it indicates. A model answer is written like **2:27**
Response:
**6:54**
